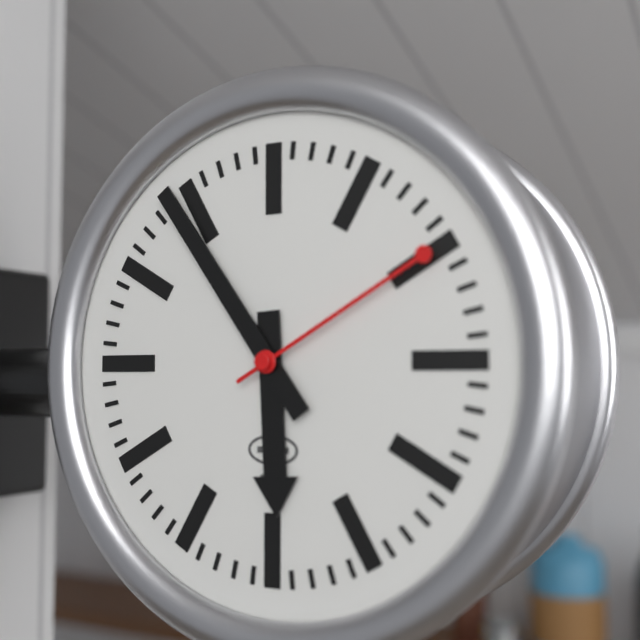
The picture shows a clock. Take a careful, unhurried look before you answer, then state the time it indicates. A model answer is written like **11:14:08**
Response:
**5:54:10**
